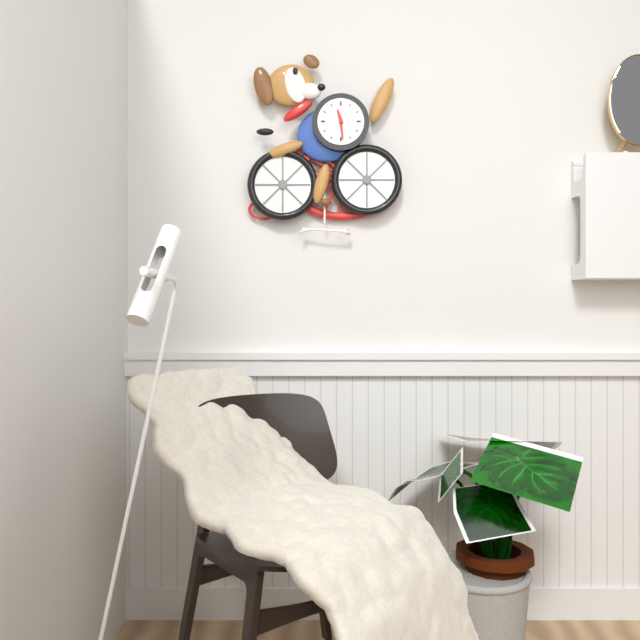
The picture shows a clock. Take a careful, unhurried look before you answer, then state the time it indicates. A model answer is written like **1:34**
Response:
**11:29**
